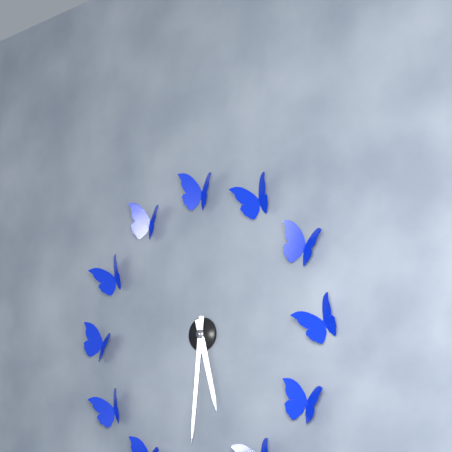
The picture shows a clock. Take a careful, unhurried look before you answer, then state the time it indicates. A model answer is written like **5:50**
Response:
**5:31**
